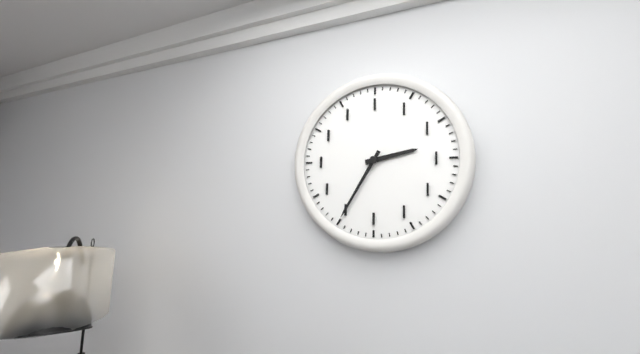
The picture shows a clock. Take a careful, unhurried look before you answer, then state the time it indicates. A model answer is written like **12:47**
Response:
**2:35**
